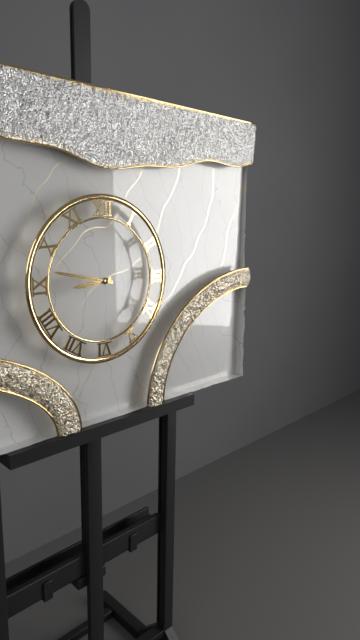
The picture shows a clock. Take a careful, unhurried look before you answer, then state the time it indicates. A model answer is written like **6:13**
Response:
**8:47**
